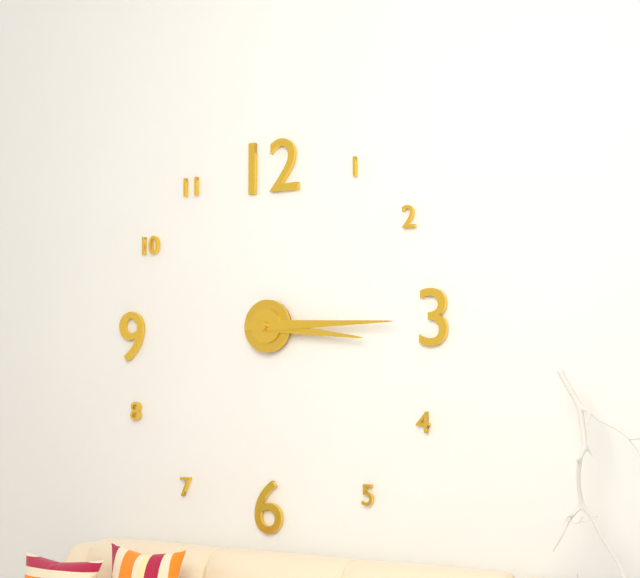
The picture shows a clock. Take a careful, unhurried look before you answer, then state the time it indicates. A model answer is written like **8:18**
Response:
**3:15**
